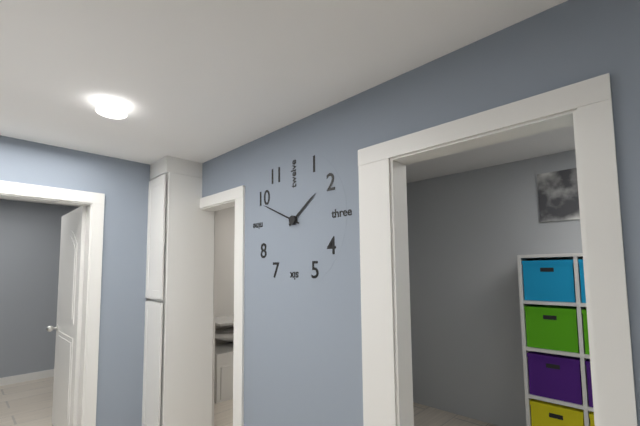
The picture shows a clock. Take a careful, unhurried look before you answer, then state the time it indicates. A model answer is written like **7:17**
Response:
**1:49**
